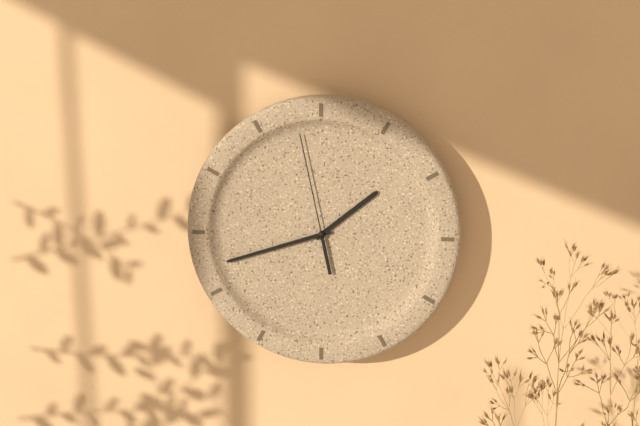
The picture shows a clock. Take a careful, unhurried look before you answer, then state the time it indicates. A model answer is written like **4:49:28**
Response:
**1:42:58**
